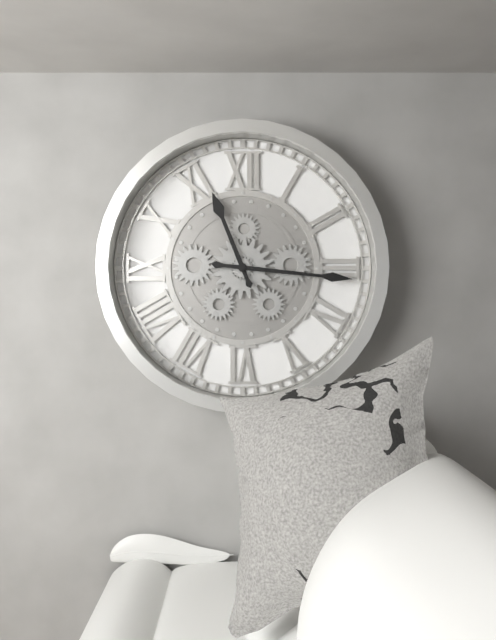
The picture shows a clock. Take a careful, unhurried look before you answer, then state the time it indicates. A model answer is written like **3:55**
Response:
**11:16**
